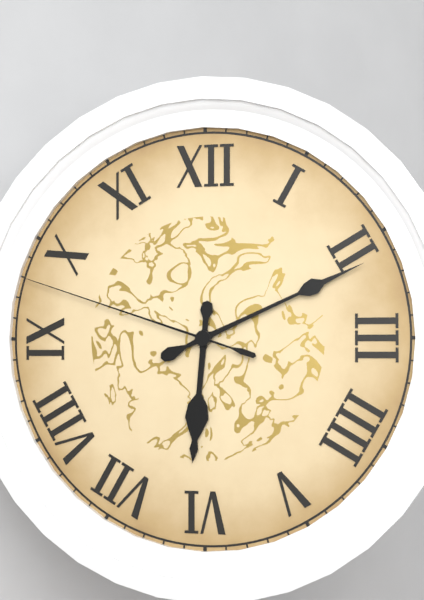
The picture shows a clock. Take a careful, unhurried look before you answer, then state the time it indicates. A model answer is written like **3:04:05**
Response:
**6:11:48**
